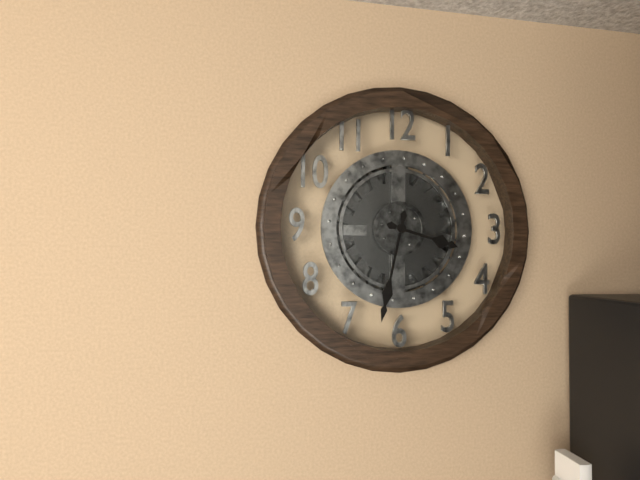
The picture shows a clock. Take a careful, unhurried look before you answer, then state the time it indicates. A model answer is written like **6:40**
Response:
**3:32**
